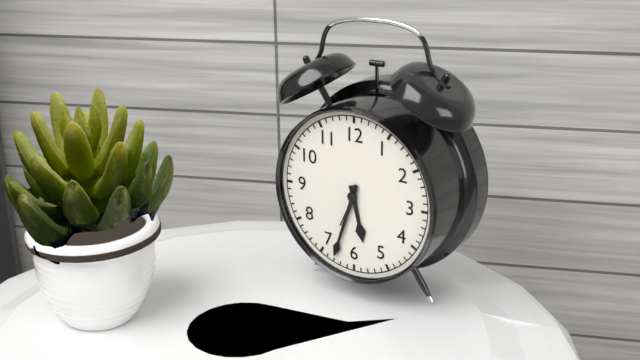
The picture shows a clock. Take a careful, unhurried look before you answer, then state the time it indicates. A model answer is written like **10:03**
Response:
**5:33**
